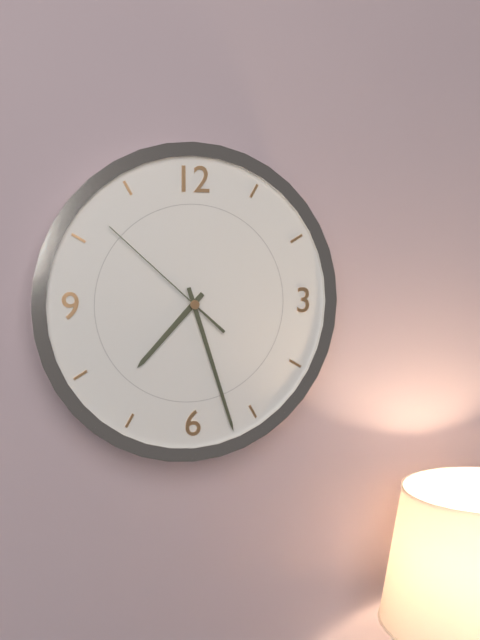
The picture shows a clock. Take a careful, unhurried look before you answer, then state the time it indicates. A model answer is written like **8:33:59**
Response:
**7:27:52**
